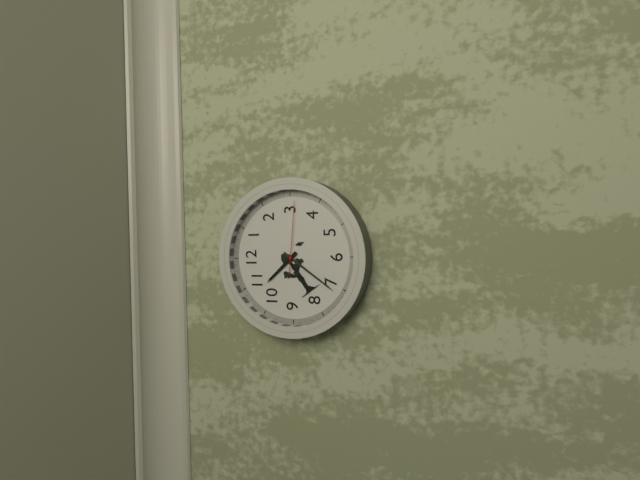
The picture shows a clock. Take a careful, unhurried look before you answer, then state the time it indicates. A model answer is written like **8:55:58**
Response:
**10:36:16**
